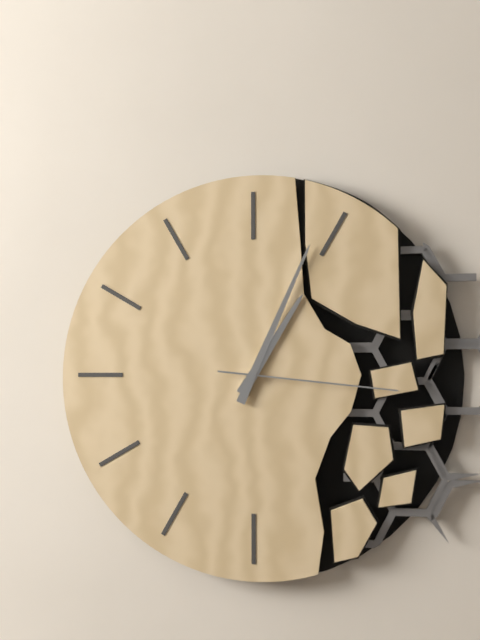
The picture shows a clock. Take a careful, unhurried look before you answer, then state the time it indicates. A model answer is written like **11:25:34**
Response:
**1:04:16**
